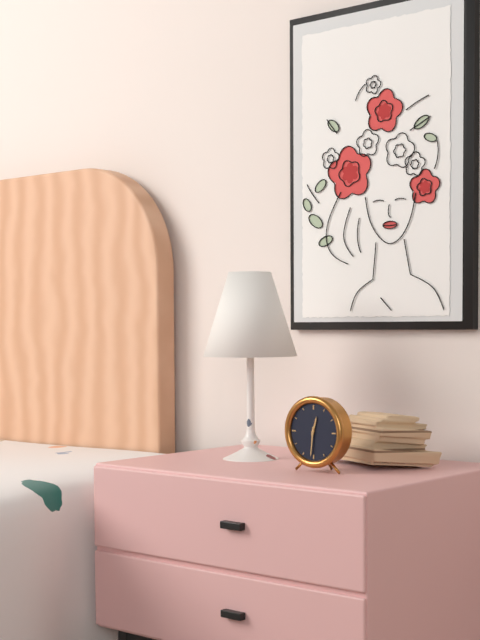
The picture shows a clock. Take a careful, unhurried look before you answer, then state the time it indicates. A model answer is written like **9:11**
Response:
**12:31**
